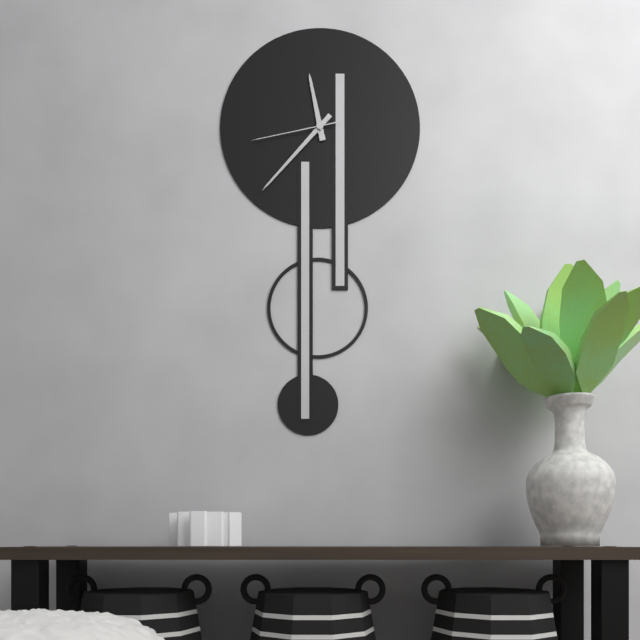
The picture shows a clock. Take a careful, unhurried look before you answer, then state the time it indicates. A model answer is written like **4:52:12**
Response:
**11:37:43**
